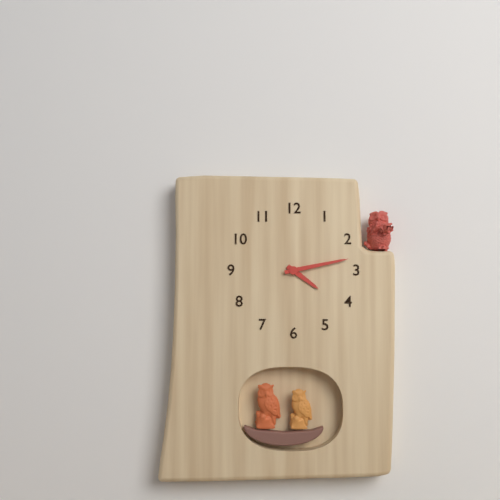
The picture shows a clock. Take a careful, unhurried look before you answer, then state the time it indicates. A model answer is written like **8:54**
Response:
**4:13**
